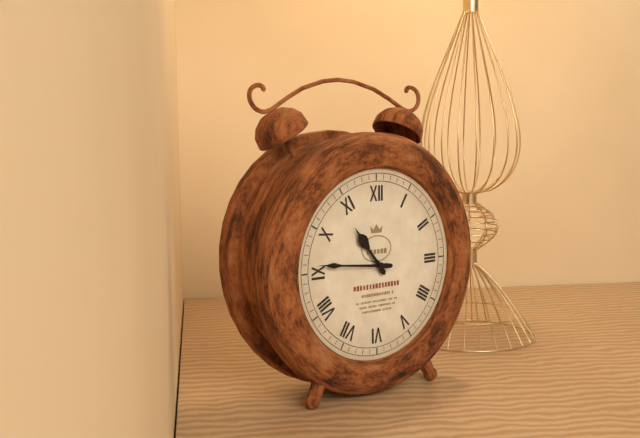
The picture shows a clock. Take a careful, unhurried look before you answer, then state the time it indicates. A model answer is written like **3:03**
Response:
**10:46**
